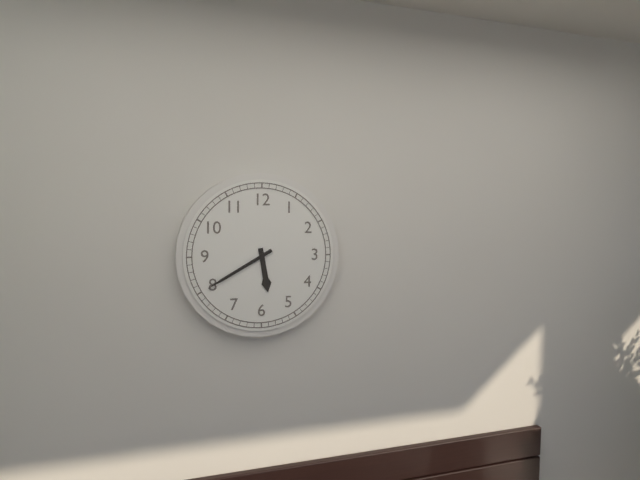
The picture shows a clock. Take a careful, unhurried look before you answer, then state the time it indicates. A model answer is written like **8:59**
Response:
**5:40**
